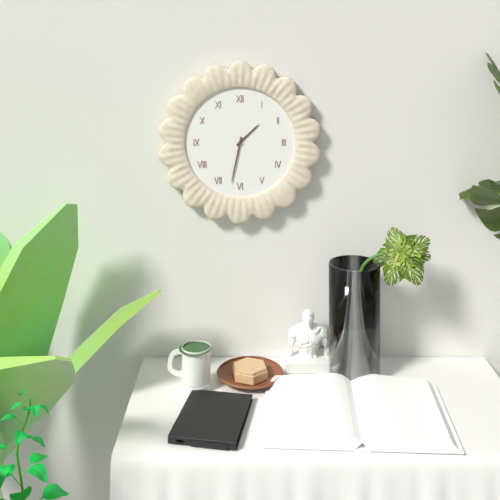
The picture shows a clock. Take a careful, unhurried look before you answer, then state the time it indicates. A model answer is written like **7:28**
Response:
**1:32**
